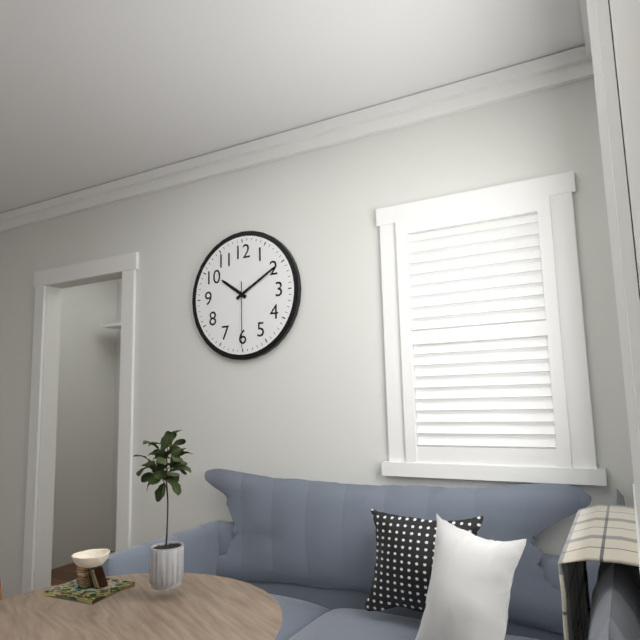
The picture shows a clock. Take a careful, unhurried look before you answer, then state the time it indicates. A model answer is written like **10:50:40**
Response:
**10:10:30**
